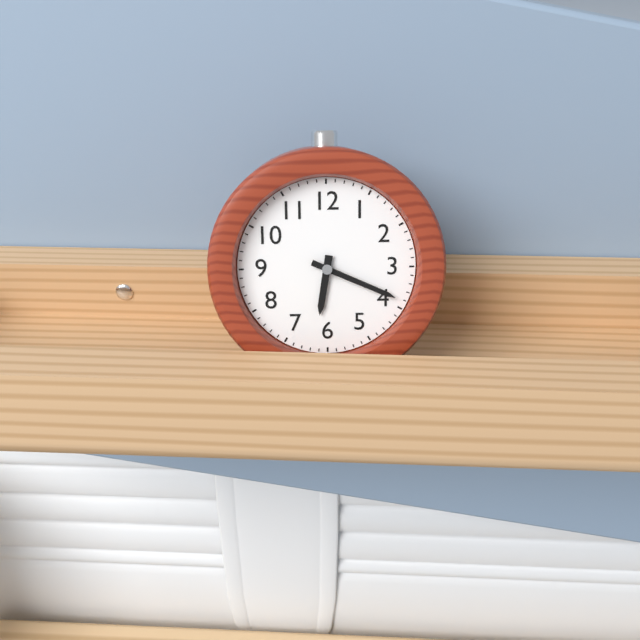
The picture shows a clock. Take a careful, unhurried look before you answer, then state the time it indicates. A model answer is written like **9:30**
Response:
**6:19**
